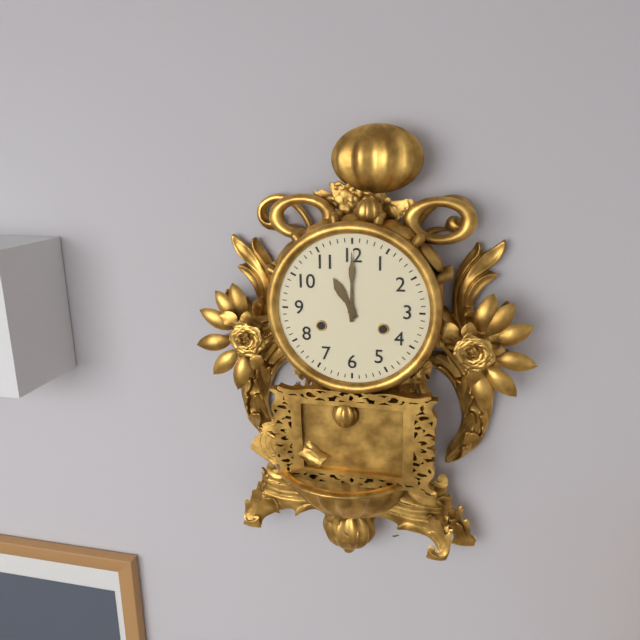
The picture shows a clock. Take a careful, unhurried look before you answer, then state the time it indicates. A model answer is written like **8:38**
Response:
**11:00**
